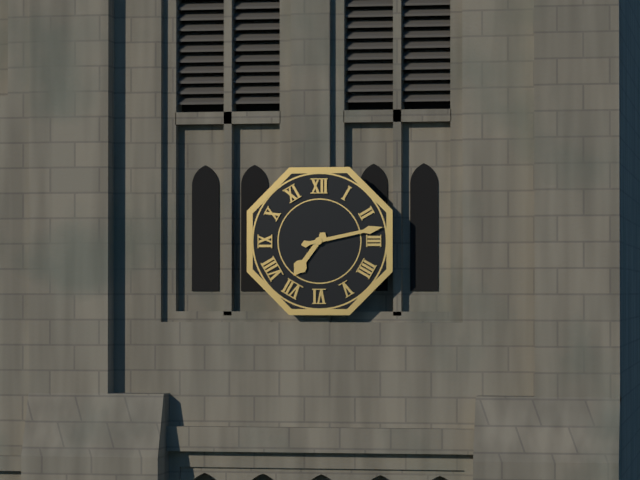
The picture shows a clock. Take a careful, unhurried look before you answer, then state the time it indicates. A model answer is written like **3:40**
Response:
**7:13**
